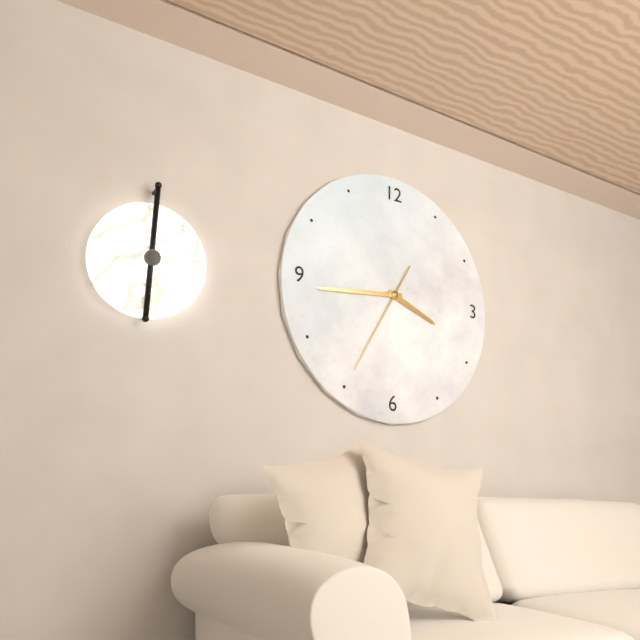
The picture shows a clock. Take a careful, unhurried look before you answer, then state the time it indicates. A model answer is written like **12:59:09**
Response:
**3:44:35**
